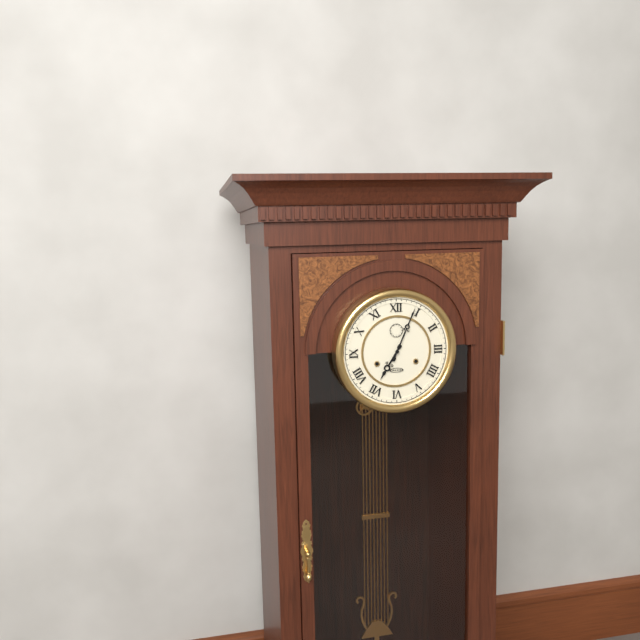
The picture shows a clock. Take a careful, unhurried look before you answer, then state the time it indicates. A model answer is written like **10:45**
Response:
**7:04**
